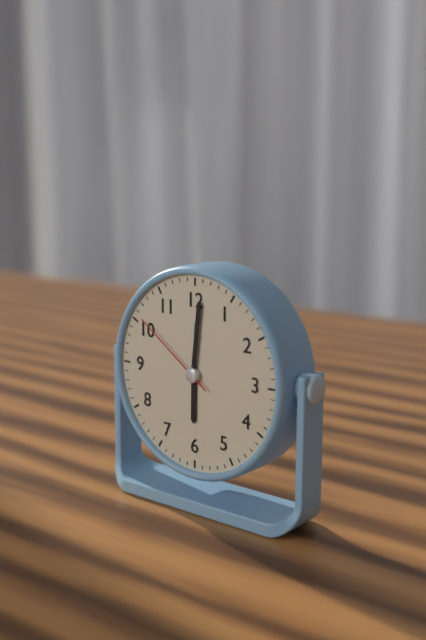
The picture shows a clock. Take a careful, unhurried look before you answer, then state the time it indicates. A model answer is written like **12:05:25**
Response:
**6:01:51**
